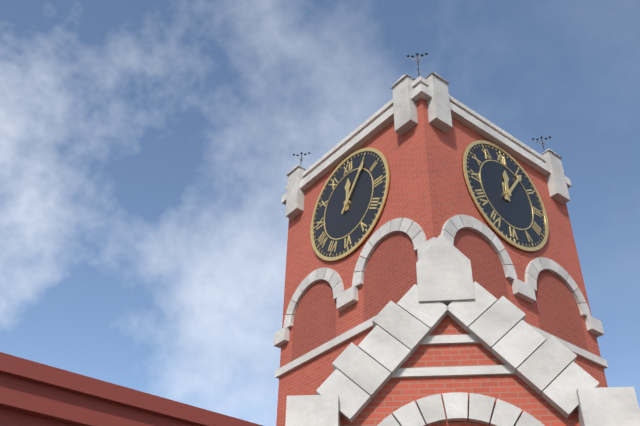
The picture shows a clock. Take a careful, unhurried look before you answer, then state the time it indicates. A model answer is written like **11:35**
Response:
**12:06**
